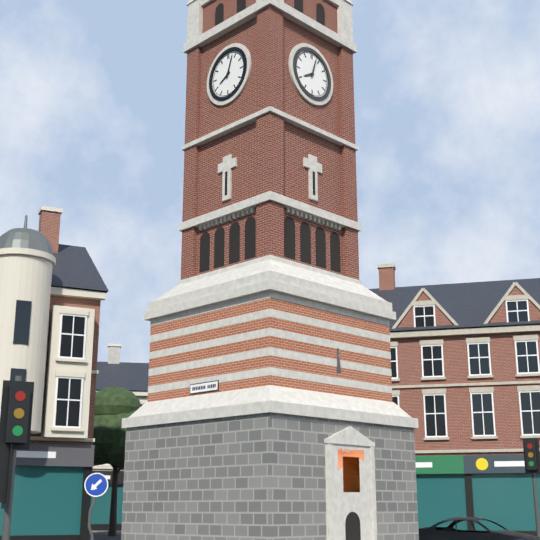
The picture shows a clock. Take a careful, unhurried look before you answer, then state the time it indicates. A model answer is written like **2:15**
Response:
**8:03**
